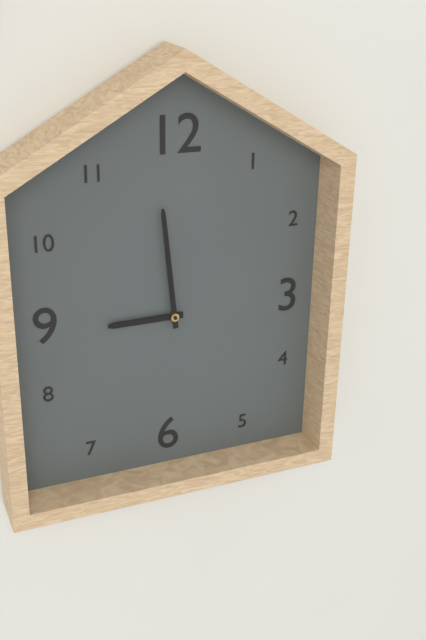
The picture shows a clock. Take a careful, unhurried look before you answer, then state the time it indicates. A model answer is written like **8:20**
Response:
**8:59**
